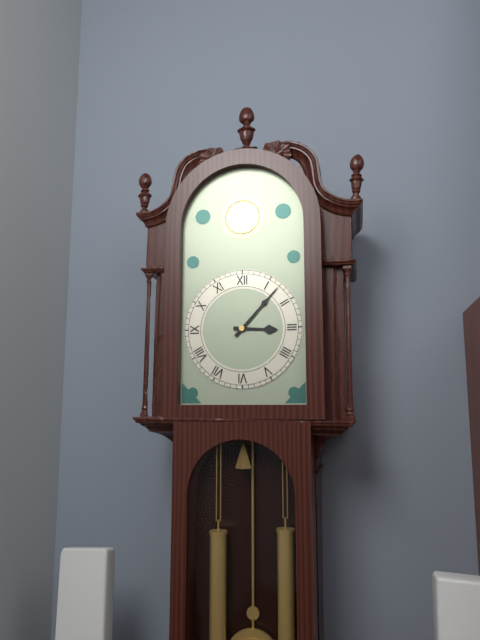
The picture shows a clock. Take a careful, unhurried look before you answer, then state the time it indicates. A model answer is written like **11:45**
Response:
**3:07**
